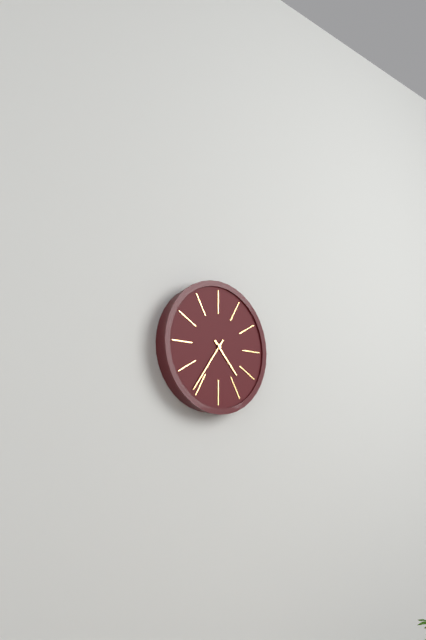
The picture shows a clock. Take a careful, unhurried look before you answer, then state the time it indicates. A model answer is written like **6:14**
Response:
**4:36**
